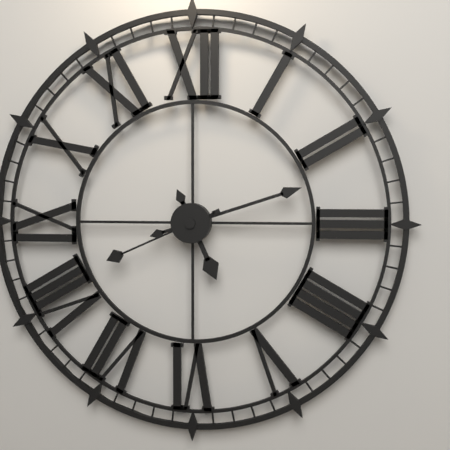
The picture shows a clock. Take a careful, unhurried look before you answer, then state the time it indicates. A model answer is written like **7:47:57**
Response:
**5:12:41**
